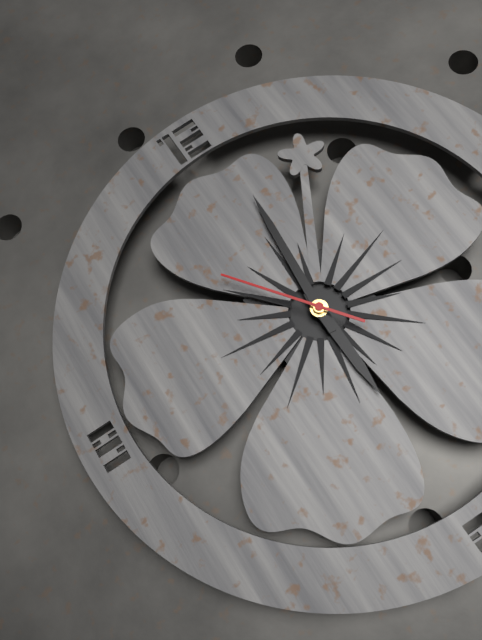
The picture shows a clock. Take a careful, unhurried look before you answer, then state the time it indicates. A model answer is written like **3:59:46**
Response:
**6:01:54**
